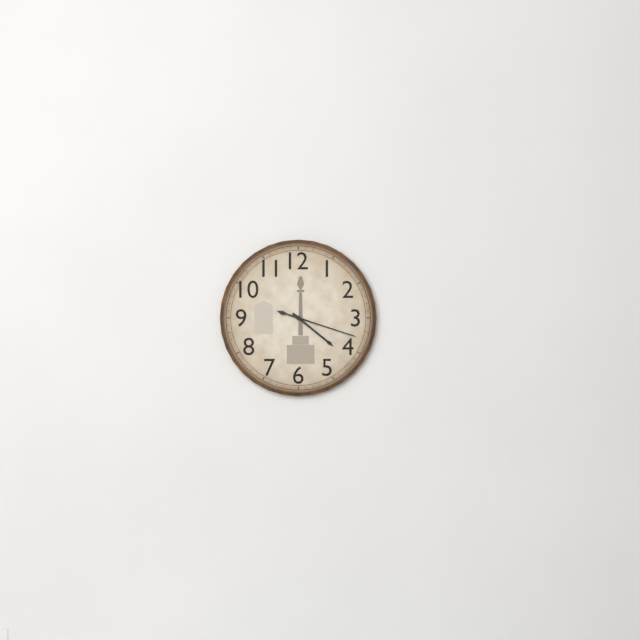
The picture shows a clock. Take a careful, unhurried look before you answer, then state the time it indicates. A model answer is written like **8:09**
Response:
**4:18**
